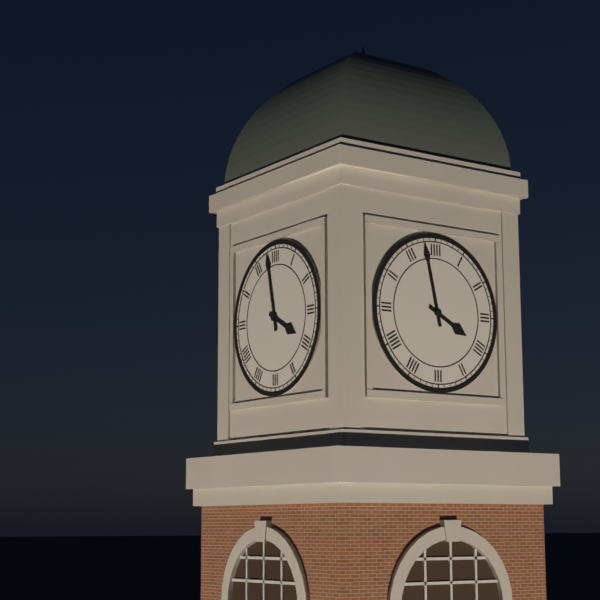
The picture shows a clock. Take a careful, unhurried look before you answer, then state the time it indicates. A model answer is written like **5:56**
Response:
**3:58**
